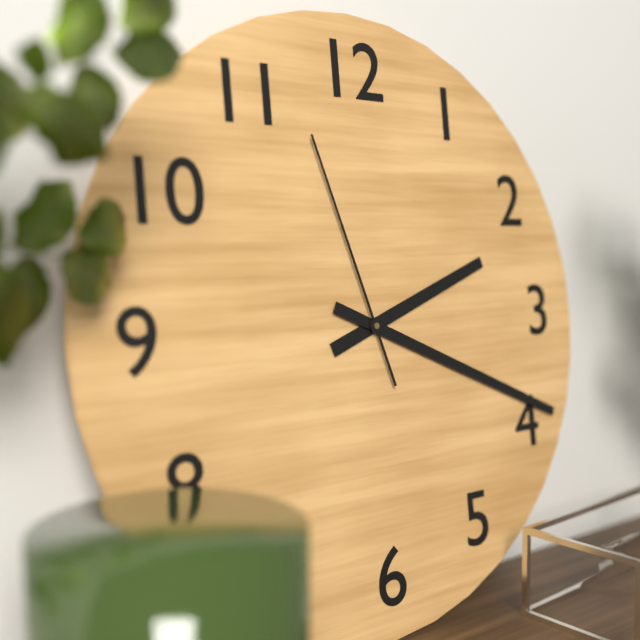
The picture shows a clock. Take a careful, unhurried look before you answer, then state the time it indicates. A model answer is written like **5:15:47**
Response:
**2:19:57**
